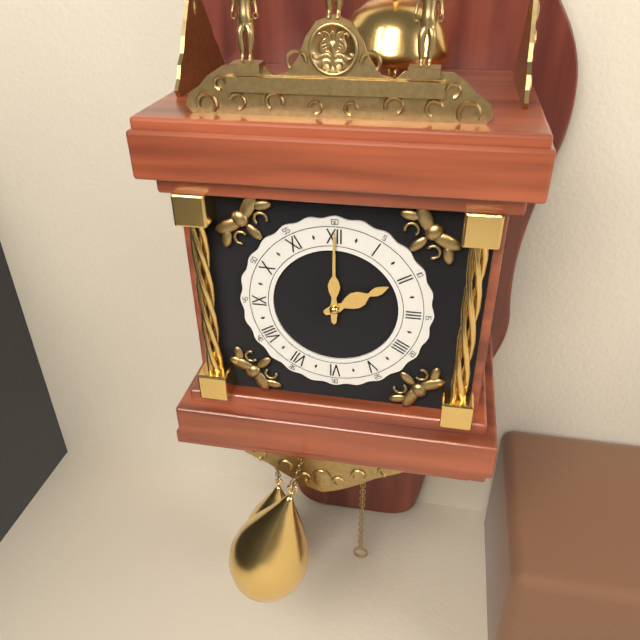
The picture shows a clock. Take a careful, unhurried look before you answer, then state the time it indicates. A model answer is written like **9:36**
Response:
**2:00**
